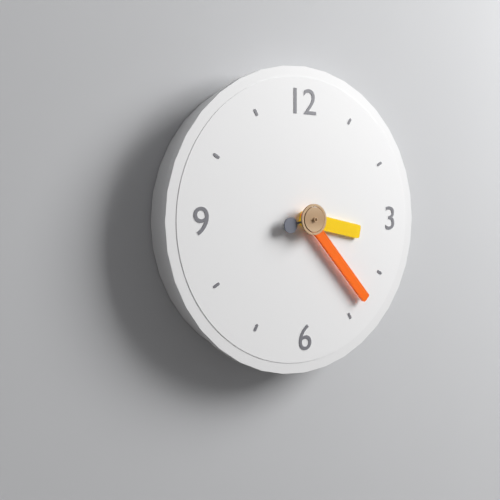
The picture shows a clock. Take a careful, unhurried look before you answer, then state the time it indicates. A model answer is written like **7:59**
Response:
**3:23**
